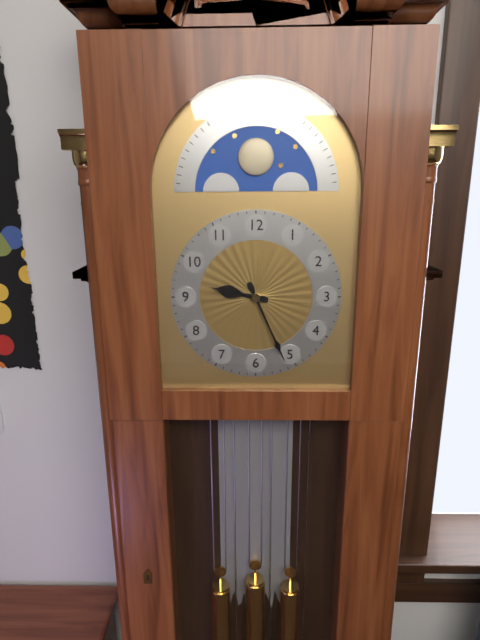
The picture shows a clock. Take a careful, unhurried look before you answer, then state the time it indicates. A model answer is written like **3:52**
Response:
**9:26**
